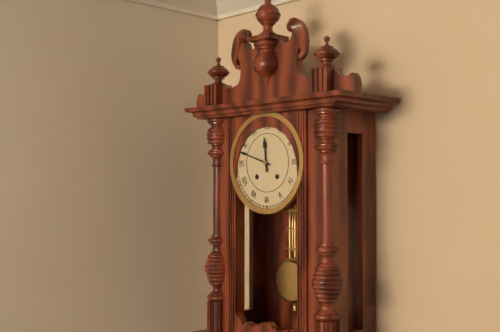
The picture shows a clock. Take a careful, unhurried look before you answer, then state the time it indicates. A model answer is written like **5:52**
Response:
**11:48**
